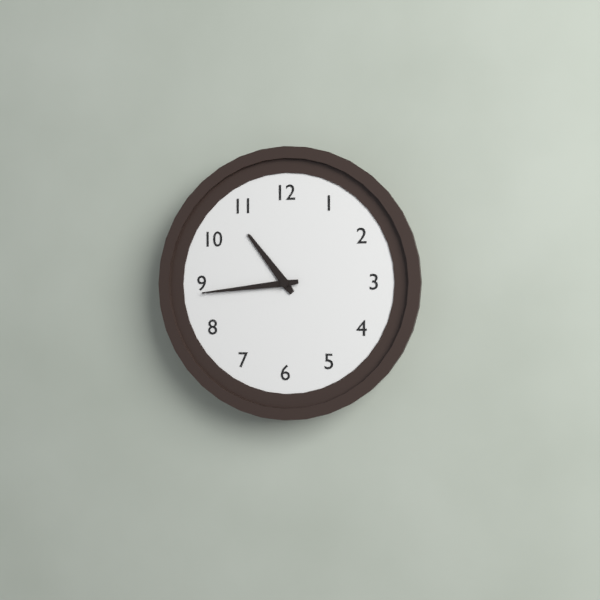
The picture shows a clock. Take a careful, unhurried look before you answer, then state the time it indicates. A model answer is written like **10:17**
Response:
**10:44**
